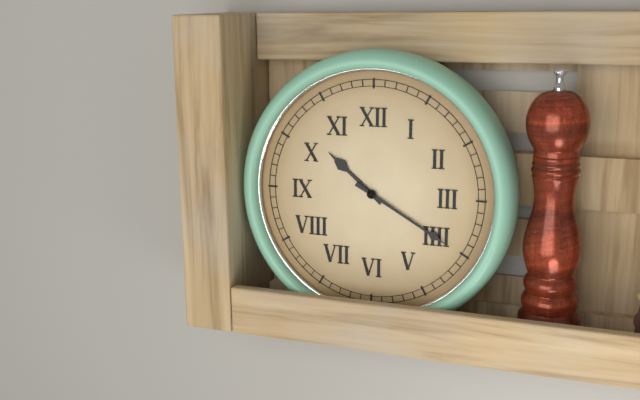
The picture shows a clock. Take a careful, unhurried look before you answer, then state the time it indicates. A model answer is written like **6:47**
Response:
**10:20**
